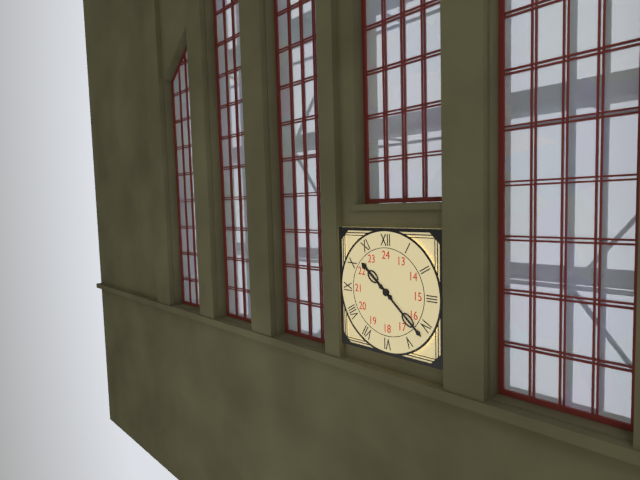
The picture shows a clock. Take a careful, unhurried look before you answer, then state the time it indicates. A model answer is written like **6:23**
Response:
**10:22**
